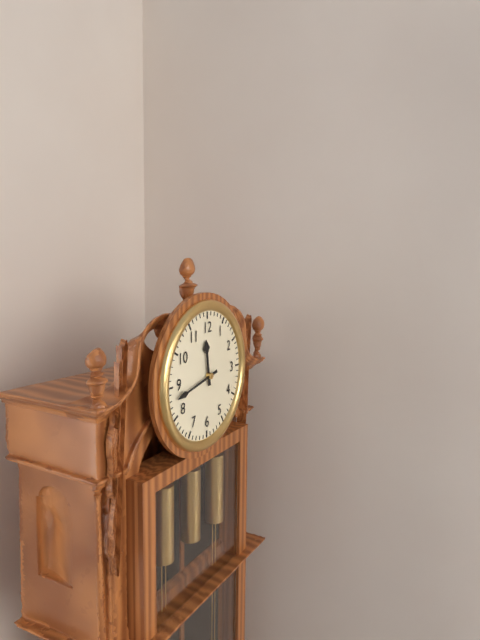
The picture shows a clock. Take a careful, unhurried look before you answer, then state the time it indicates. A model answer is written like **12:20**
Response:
**11:43**
